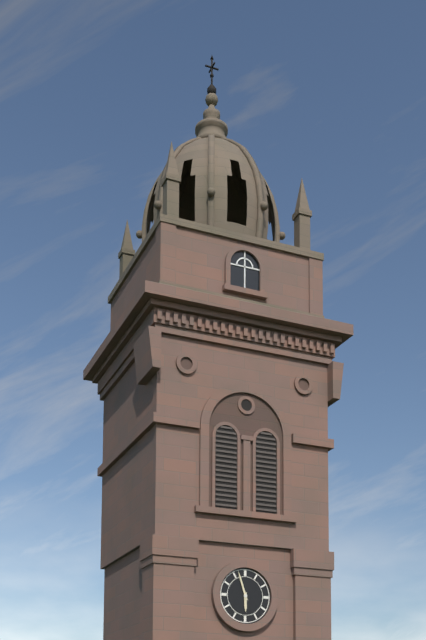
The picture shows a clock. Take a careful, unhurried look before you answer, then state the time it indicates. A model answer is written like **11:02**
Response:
**5:57**
